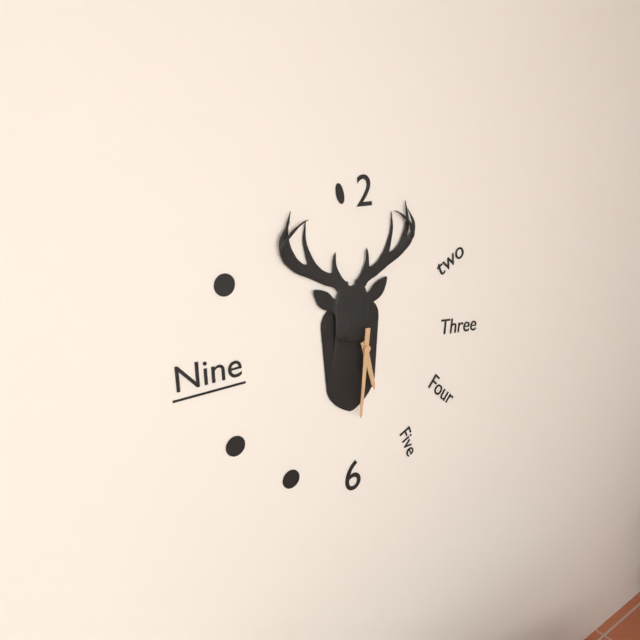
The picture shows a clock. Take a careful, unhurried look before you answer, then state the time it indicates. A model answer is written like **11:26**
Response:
**5:31**
